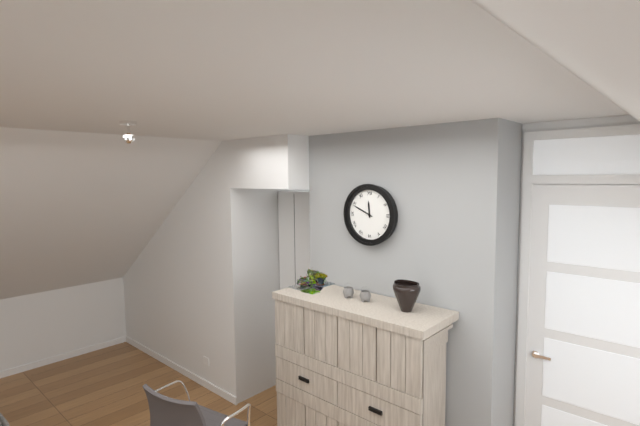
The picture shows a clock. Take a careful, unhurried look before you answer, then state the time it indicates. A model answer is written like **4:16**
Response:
**11:49**
